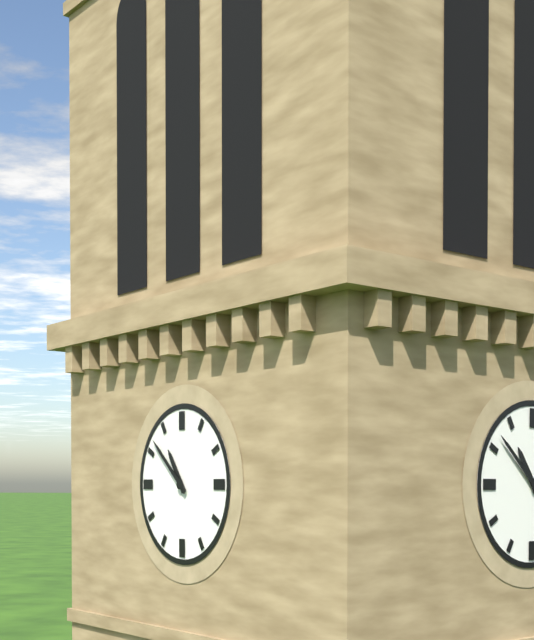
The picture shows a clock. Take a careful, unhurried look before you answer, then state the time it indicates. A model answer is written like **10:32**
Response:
**10:52**
